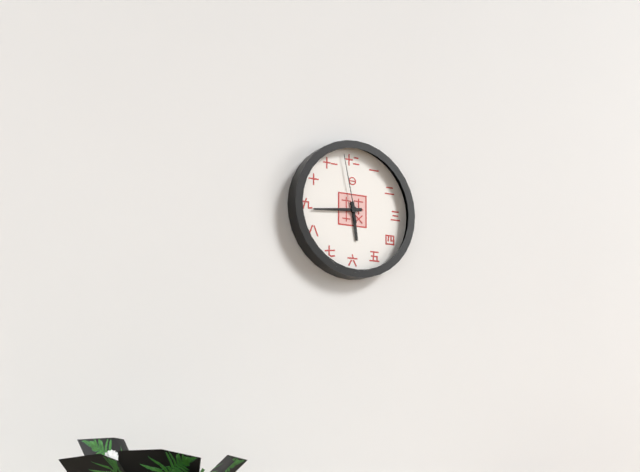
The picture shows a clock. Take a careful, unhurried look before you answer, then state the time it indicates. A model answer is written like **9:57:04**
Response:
**5:44:58**
